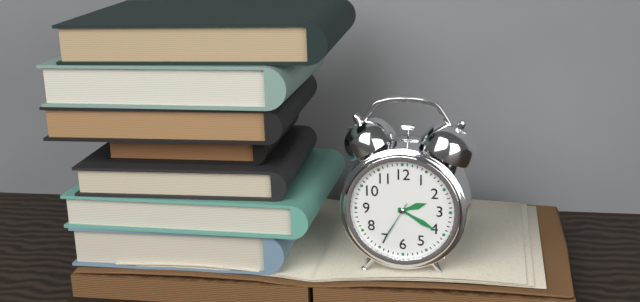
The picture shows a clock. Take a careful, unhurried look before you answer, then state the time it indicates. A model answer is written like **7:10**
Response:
**2:20**
